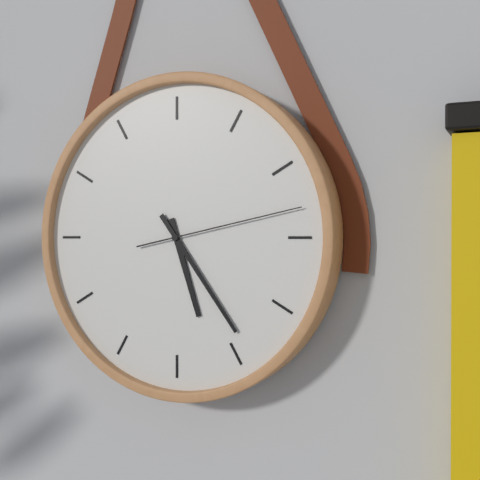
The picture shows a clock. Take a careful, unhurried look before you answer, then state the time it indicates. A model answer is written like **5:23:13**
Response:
**5:24:13**
